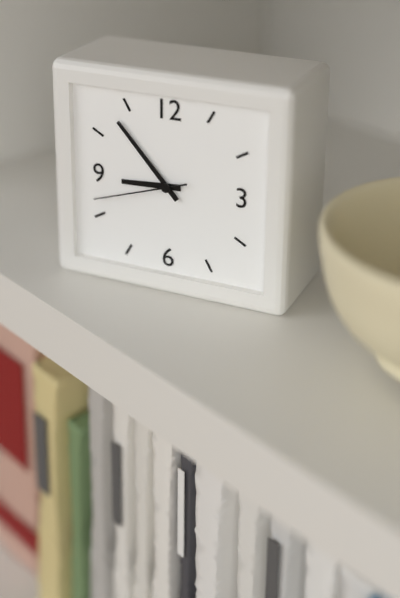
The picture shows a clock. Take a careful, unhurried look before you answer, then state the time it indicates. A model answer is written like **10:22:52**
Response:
**8:53:42**
